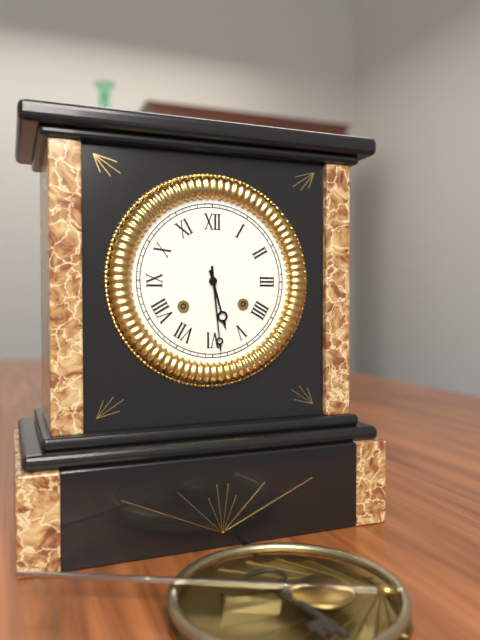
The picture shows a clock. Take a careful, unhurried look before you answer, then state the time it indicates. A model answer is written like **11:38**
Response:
**5:29**
